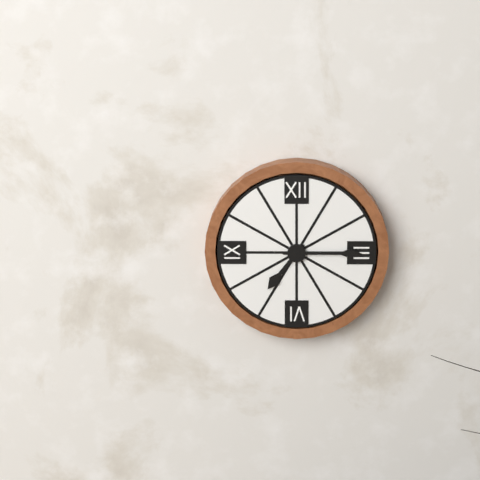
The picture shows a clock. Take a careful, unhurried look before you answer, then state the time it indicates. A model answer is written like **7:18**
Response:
**7:15**
